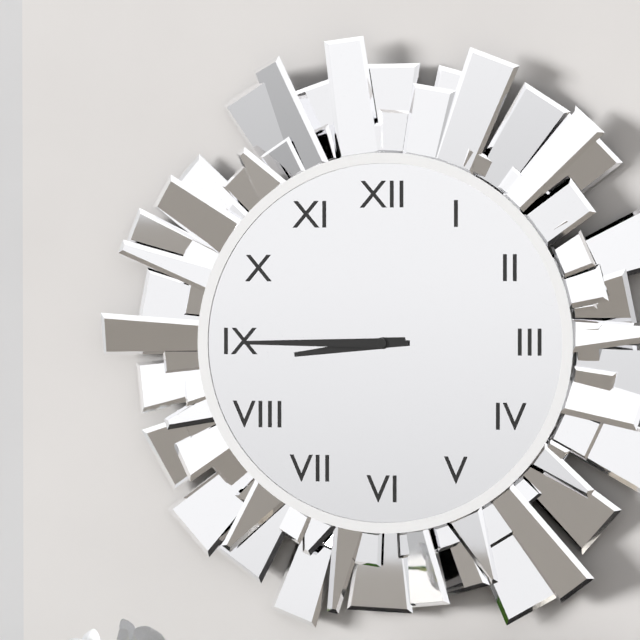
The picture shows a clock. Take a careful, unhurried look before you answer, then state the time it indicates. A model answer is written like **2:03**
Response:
**8:45**
